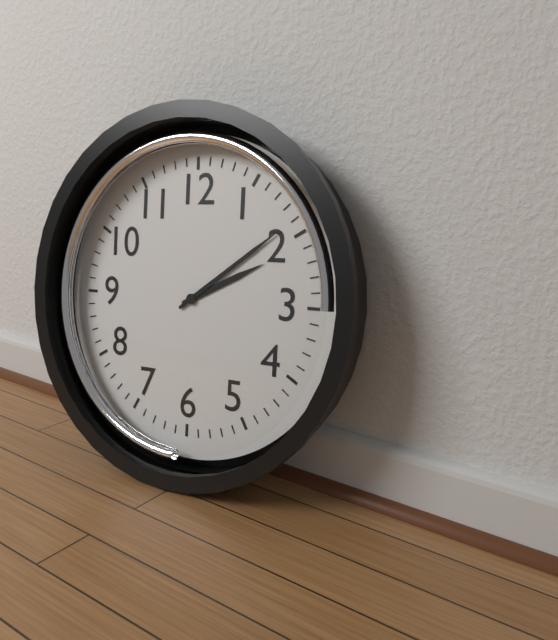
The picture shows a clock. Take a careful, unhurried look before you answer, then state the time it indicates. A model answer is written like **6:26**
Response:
**2:09**
